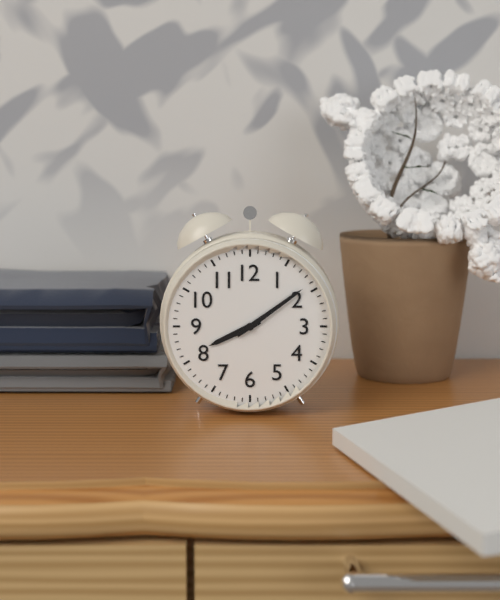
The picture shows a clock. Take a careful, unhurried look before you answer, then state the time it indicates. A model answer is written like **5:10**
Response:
**8:09**
